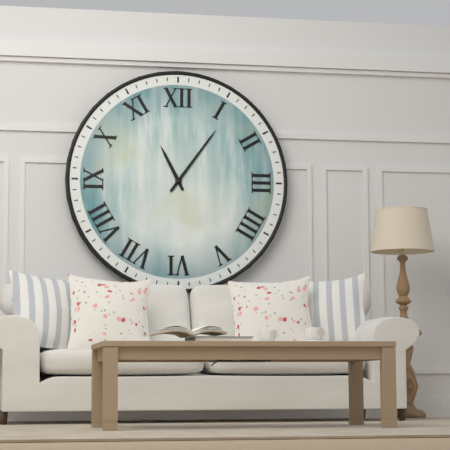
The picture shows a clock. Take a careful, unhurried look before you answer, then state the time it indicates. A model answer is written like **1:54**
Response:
**11:06**
